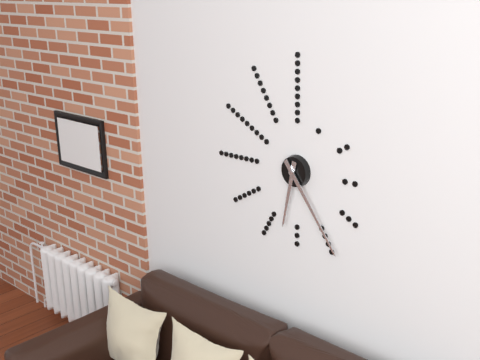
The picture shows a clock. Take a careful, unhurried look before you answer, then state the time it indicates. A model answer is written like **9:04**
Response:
**6:24**
